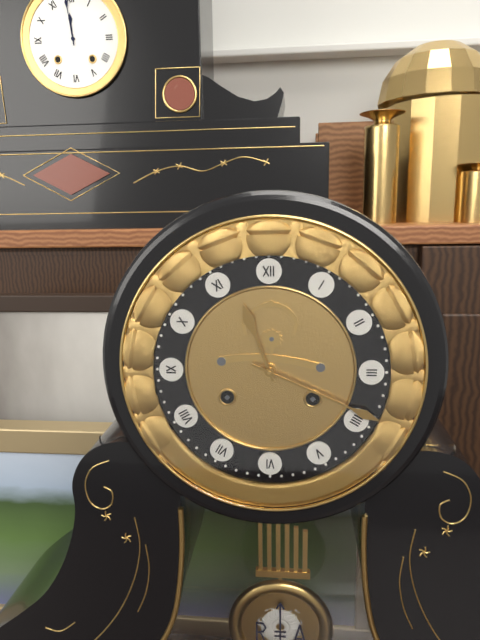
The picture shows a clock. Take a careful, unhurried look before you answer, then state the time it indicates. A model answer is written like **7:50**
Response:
**11:19**
